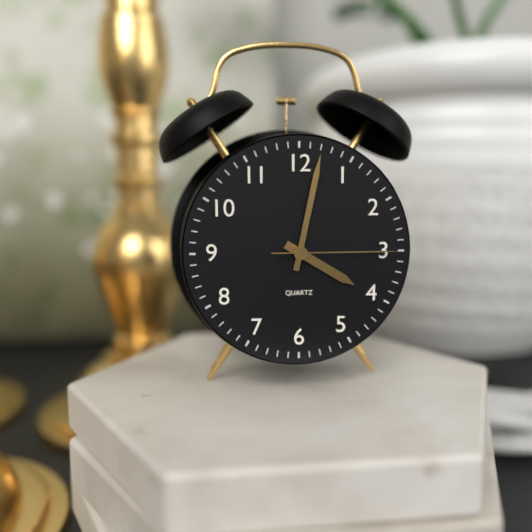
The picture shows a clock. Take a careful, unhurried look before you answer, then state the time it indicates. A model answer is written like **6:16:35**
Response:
**4:02:15**
